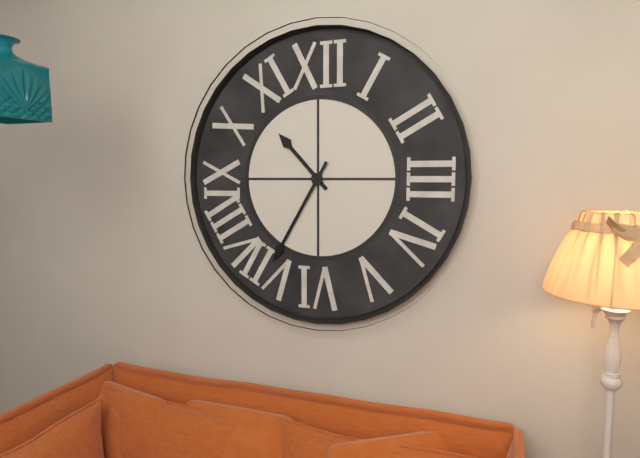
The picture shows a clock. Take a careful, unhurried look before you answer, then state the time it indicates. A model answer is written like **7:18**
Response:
**10:35**
